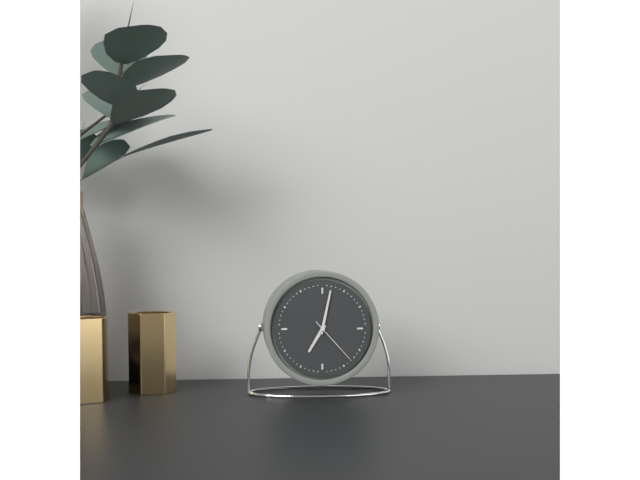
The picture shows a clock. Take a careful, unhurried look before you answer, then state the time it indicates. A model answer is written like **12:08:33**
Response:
**7:02:23**
